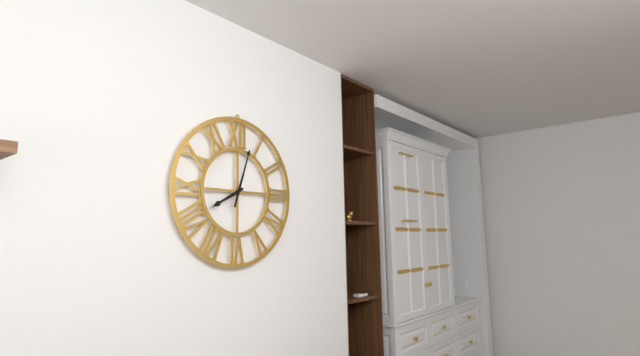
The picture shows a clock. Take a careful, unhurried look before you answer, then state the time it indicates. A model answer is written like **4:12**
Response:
**8:03**
